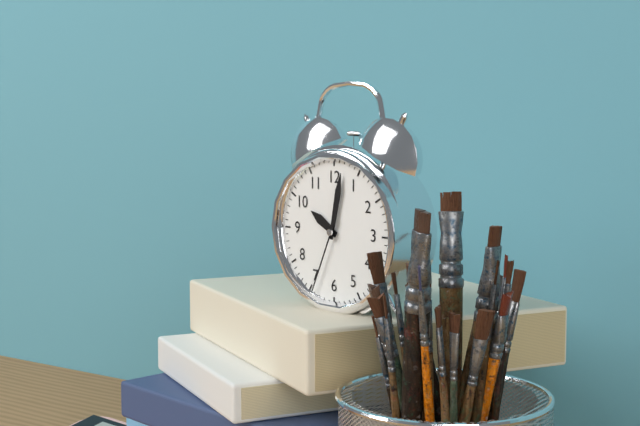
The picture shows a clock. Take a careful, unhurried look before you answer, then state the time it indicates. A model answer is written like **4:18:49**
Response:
**10:02:34**
